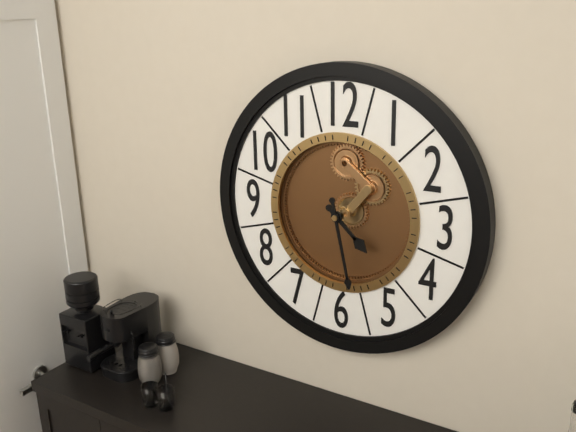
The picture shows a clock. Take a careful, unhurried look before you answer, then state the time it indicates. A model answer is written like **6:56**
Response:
**4:28**
